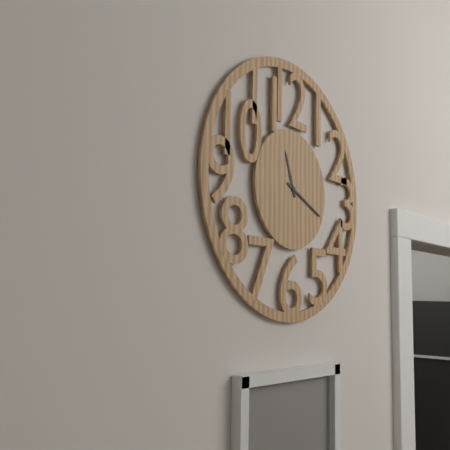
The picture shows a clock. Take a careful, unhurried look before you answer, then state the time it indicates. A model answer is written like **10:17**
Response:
**11:19**
